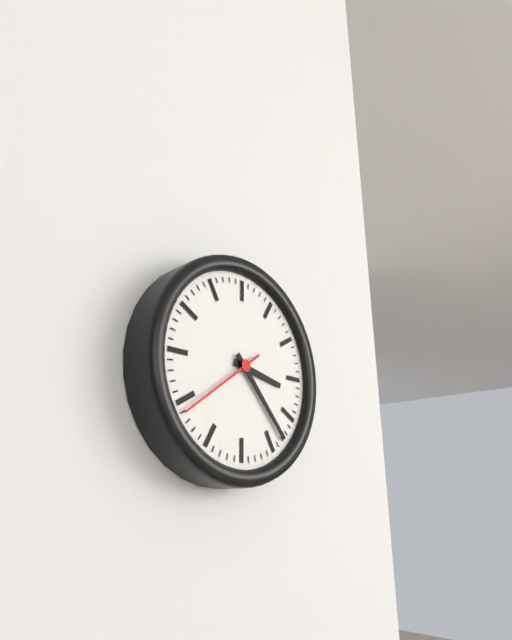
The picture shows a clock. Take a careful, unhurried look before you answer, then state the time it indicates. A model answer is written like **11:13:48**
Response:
**3:23:39**
